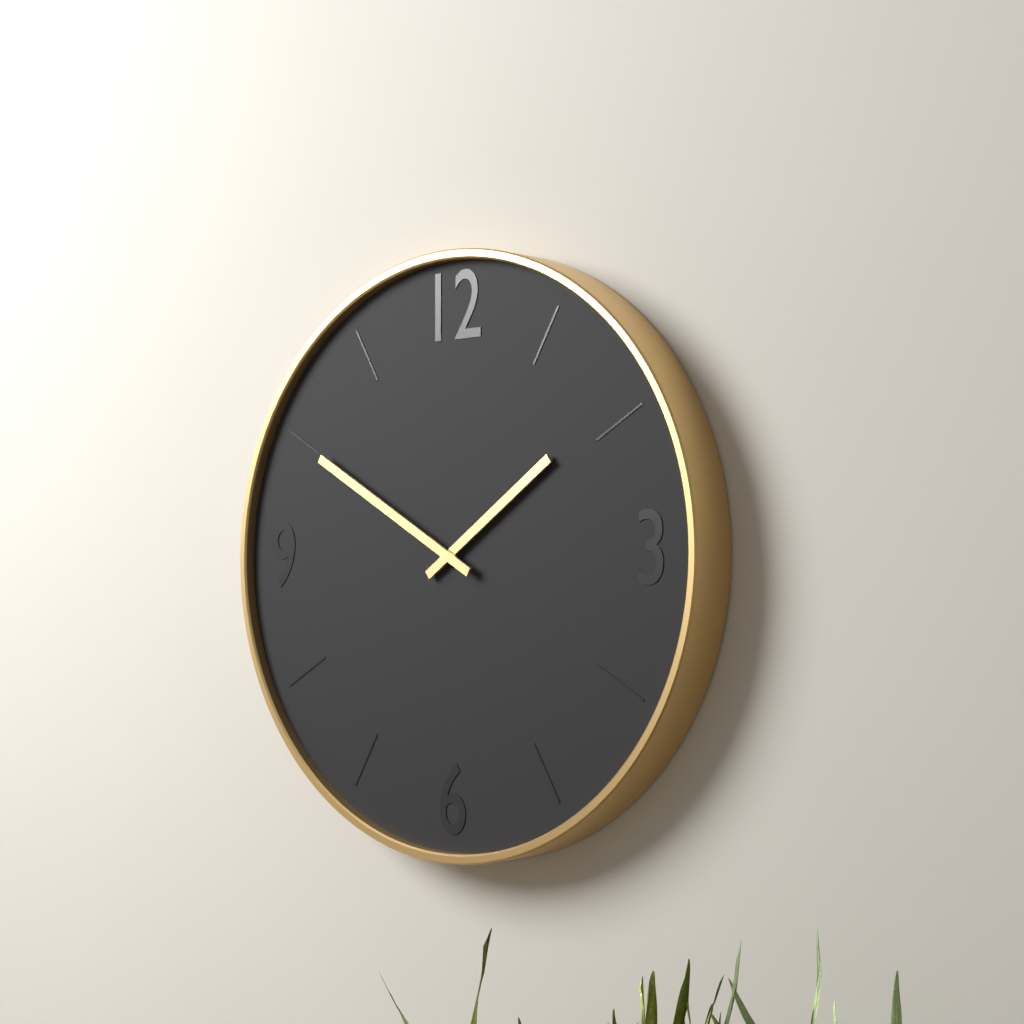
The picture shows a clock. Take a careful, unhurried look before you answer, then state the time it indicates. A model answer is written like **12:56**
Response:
**1:50**
